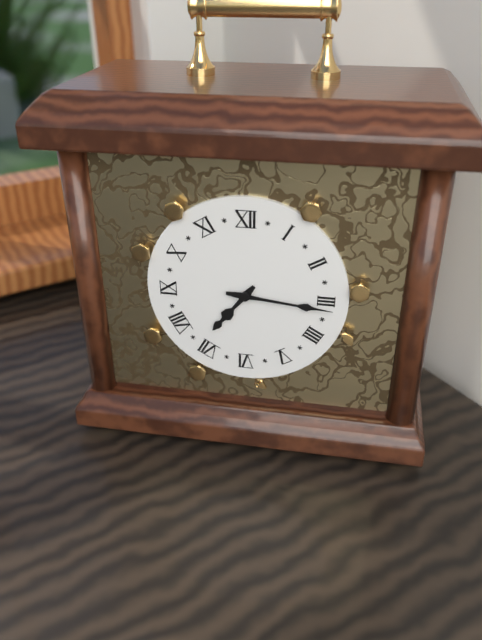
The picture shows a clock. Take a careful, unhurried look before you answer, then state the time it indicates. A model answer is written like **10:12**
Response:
**7:16**
